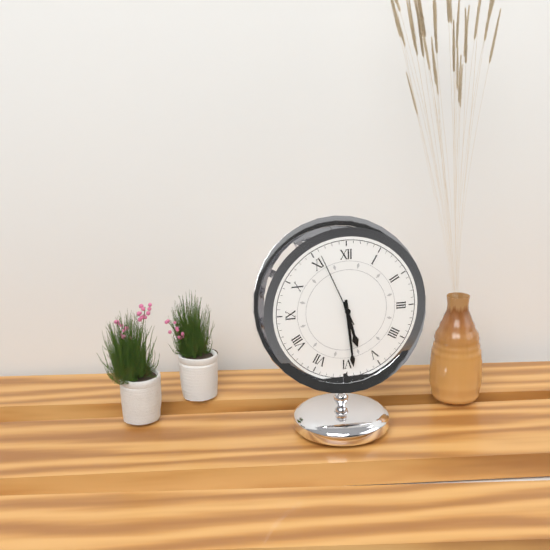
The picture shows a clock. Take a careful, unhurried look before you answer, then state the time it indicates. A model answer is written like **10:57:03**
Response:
**5:29:56**
